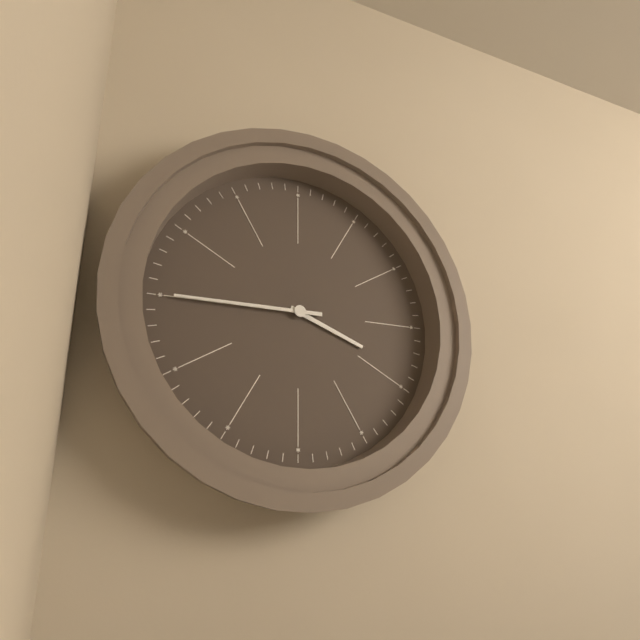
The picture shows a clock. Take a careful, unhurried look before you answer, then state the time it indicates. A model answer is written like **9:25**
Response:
**3:45**
